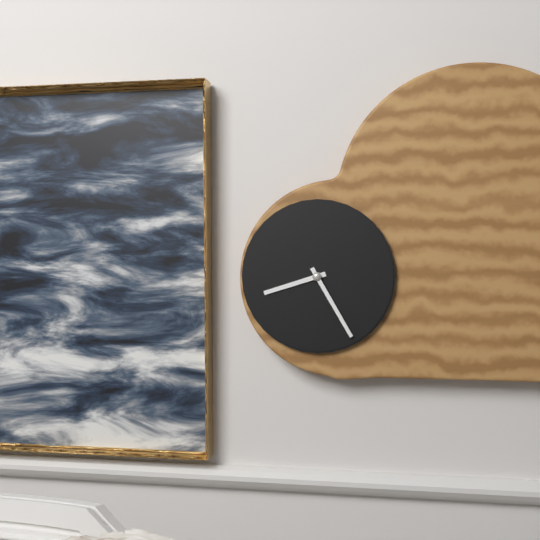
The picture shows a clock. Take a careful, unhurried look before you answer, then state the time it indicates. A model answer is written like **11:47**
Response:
**8:25**
